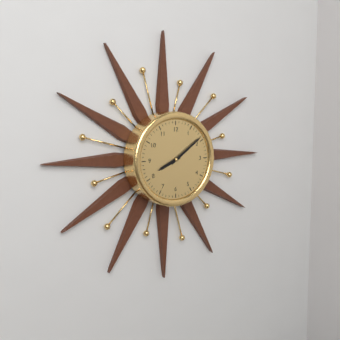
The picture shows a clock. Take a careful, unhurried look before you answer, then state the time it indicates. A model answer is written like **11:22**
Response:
**8:09**
